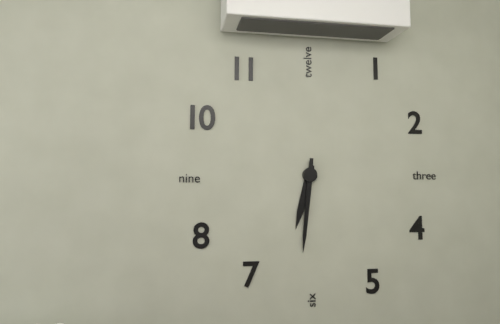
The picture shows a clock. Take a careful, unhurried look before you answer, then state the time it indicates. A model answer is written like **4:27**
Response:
**6:31**
